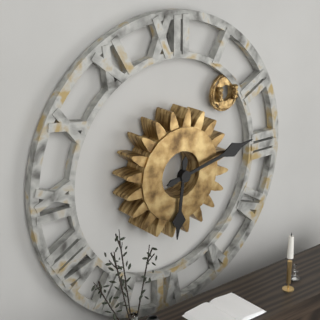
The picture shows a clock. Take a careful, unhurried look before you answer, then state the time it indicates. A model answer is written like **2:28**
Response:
**6:13**
